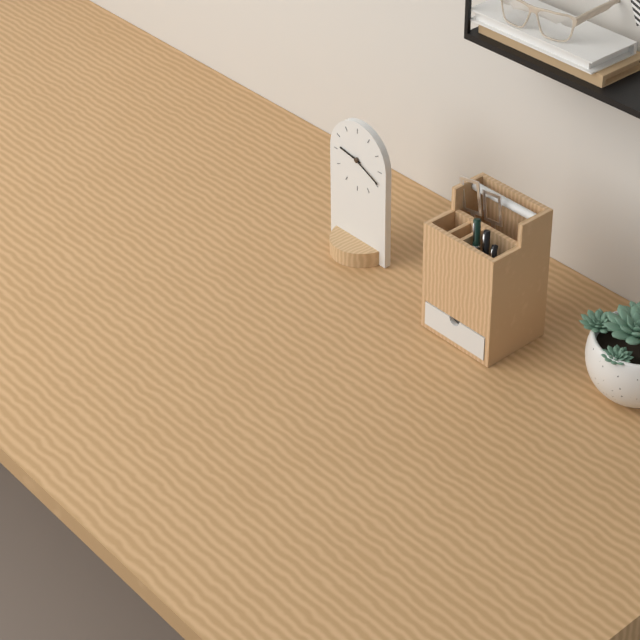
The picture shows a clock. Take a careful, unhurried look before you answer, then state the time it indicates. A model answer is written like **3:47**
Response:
**9:19**
